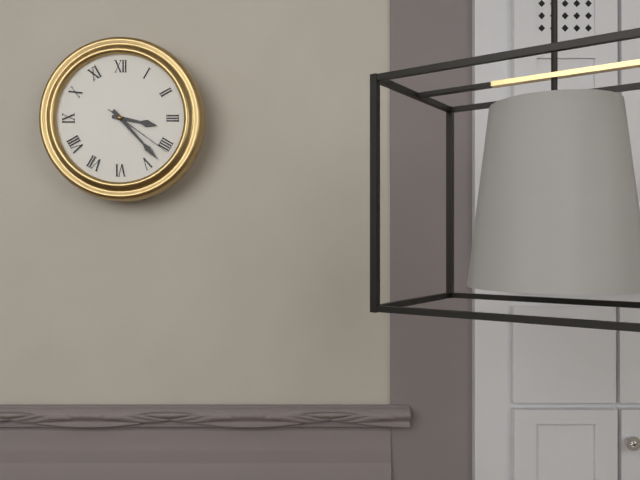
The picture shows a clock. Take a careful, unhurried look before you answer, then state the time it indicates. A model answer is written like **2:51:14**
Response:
**3:23:21**
